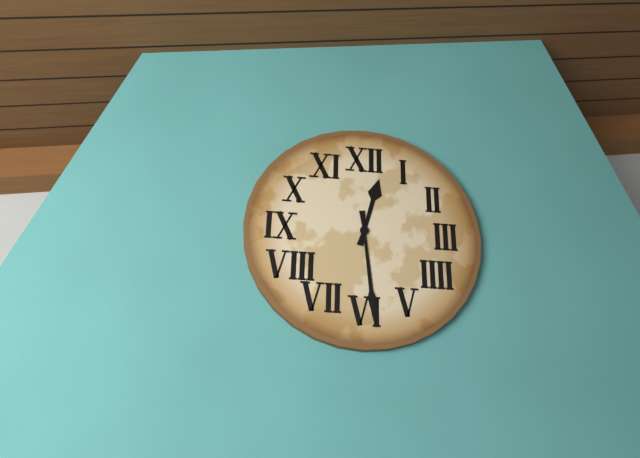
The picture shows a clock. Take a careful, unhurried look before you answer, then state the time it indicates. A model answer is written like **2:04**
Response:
**12:29**
